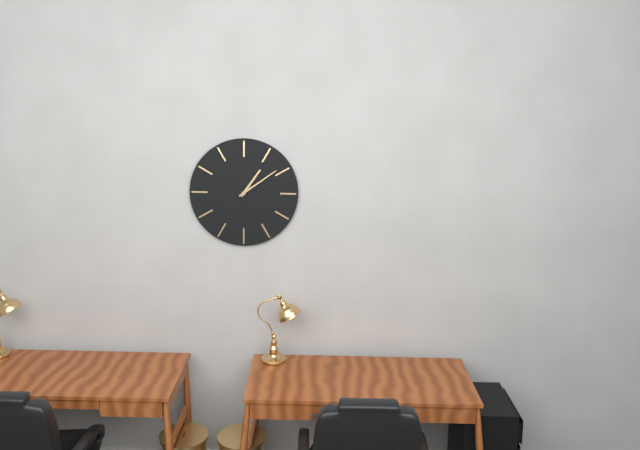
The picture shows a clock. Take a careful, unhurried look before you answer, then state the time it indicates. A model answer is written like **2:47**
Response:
**1:09**
